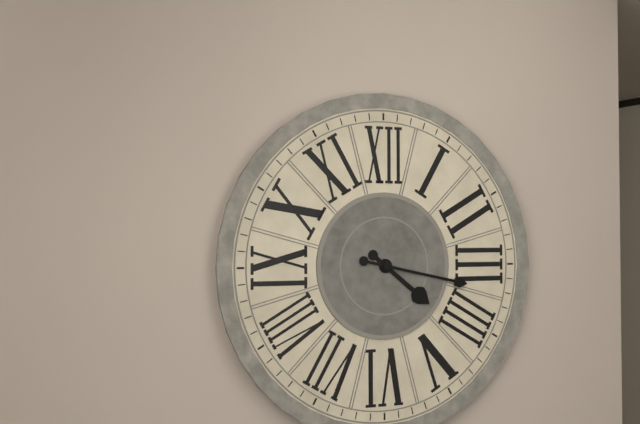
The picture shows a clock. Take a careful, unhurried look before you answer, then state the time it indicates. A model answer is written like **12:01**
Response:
**4:17**
